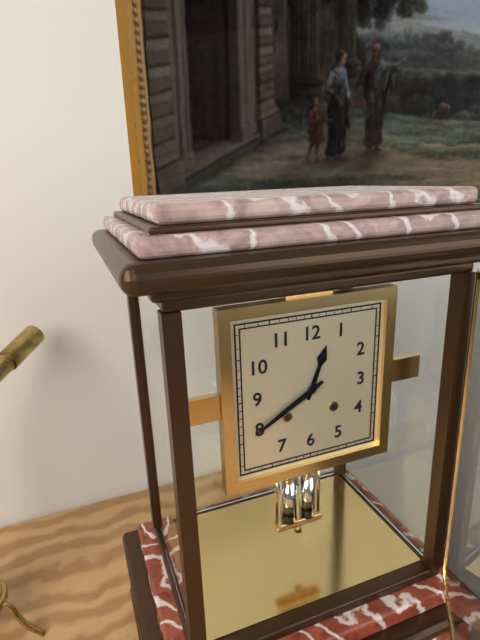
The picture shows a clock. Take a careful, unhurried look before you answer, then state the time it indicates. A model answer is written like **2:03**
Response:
**12:40**
